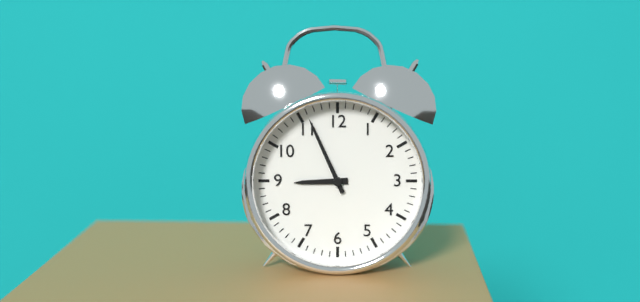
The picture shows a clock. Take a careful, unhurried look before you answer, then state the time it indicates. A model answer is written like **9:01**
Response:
**8:56**
